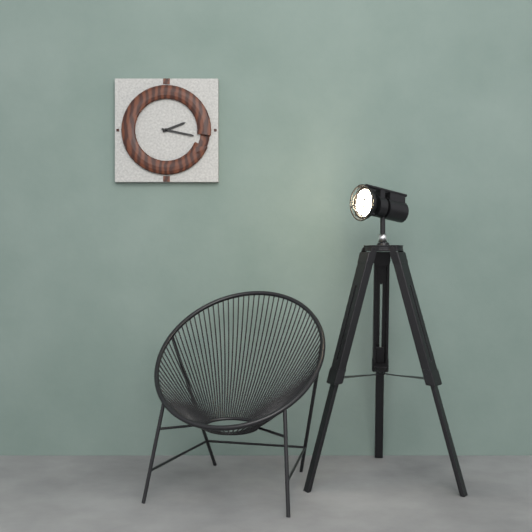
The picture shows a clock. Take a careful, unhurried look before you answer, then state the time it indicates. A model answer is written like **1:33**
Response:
**2:17**
